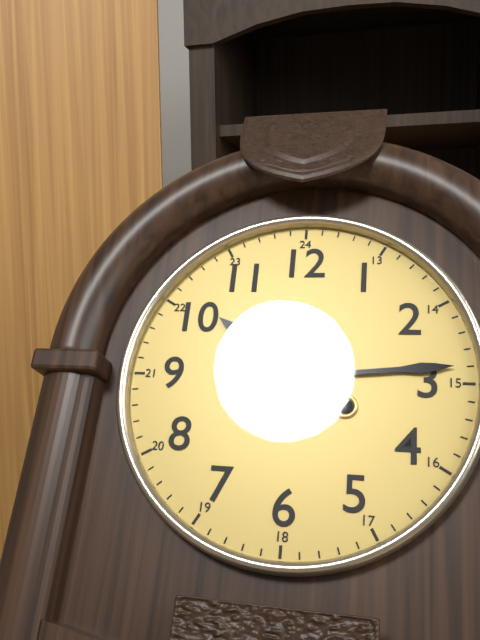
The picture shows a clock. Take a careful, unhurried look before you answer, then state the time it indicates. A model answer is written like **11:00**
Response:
**10:14**
